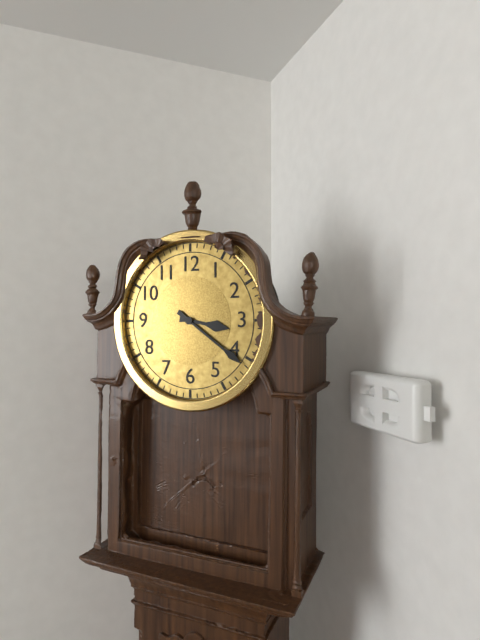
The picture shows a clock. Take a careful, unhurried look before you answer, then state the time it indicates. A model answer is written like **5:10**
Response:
**3:21**
